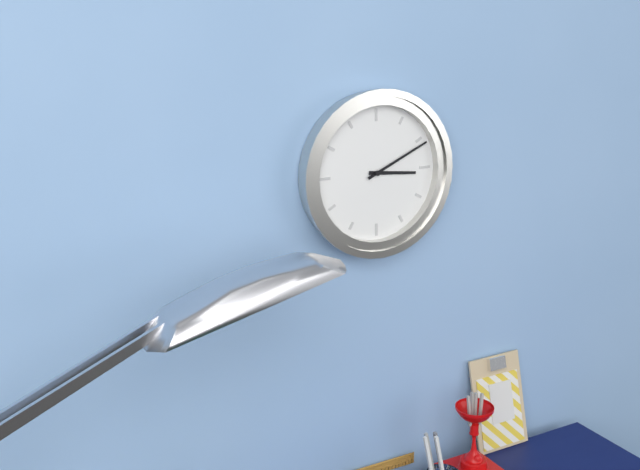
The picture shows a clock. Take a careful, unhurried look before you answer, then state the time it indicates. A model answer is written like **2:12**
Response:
**3:11**
